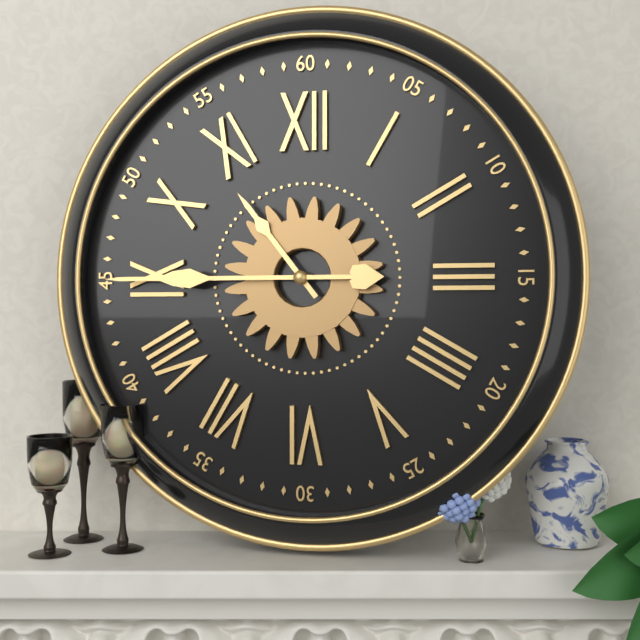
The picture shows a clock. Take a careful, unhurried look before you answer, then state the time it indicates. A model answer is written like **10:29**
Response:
**10:45**
